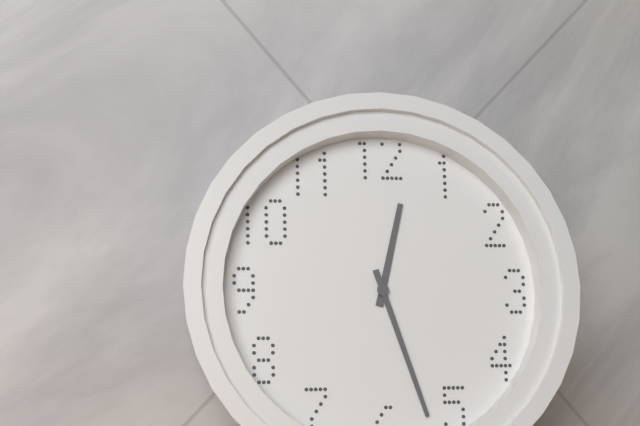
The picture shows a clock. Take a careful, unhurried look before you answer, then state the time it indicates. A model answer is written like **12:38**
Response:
**12:27**
